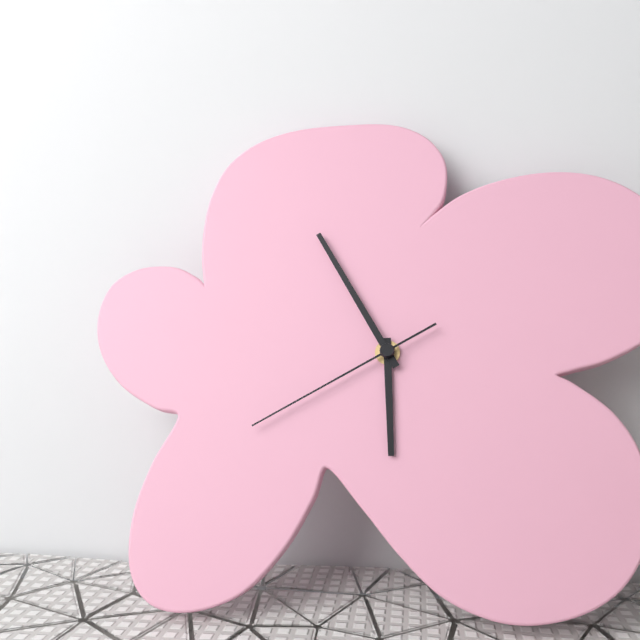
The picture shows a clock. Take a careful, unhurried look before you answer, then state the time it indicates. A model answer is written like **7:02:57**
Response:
**5:55:40**
